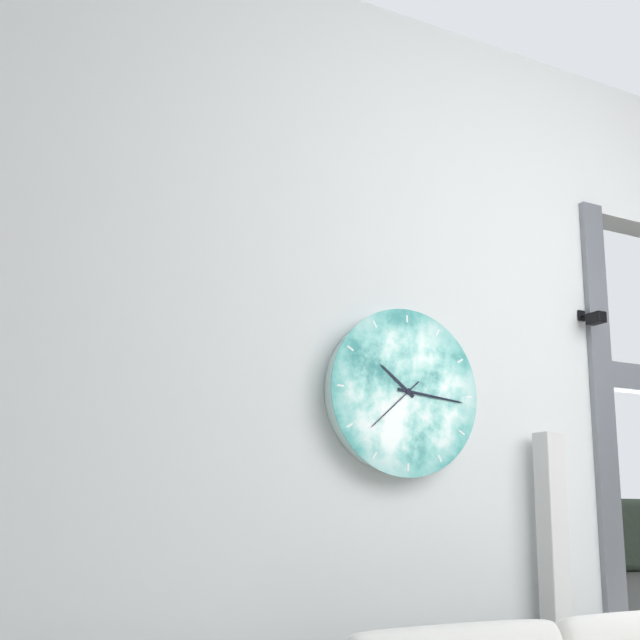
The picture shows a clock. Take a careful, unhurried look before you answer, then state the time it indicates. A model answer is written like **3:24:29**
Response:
**10:16:38**
